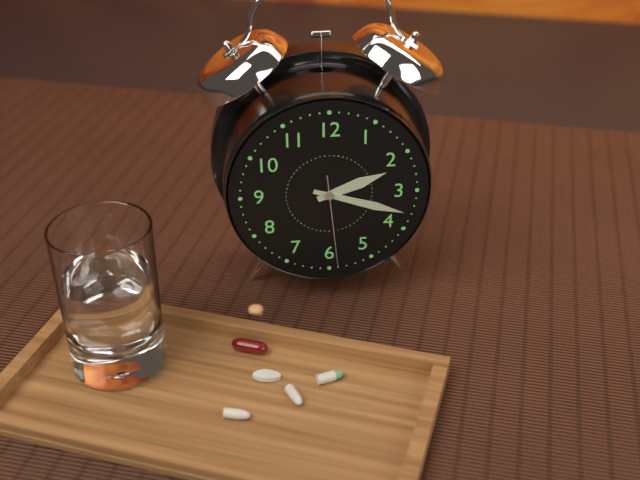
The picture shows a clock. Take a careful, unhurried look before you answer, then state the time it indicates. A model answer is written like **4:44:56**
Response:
**2:18:29**
